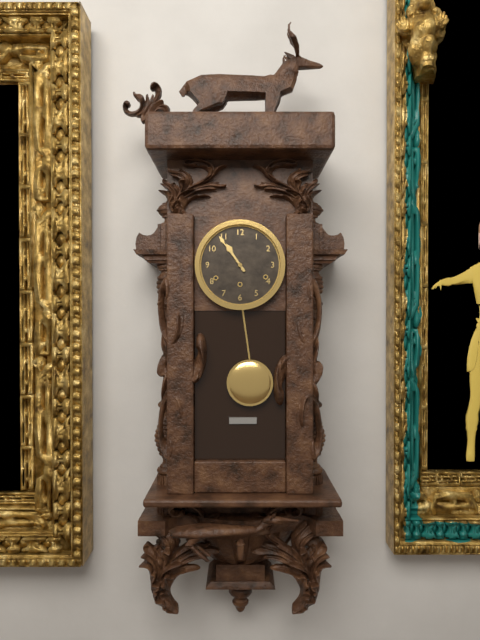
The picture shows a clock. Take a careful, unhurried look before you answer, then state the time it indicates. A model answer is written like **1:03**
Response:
**10:54**
